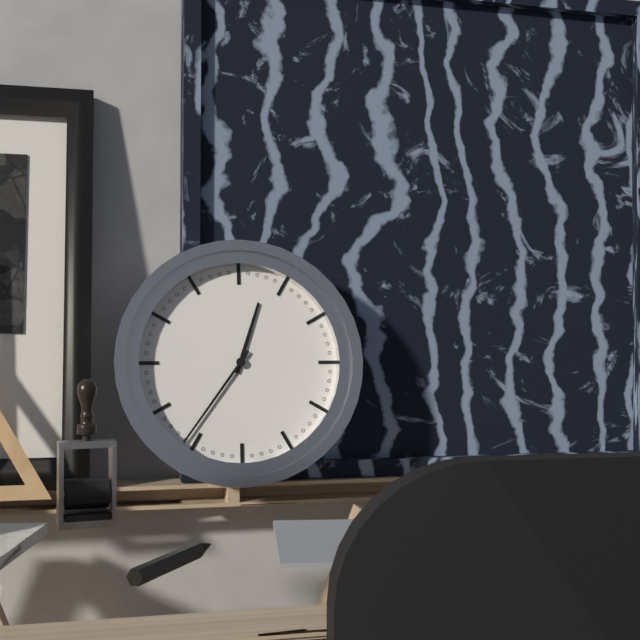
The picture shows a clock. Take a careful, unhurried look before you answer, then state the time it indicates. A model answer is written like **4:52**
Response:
**12:36**
